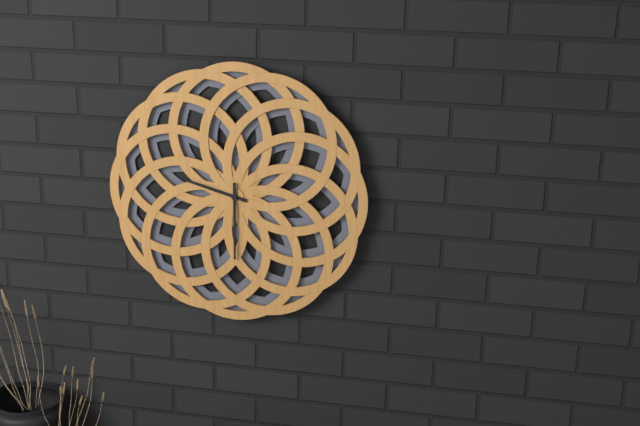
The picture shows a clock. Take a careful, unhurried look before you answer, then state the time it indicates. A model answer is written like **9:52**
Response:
**9:30**
